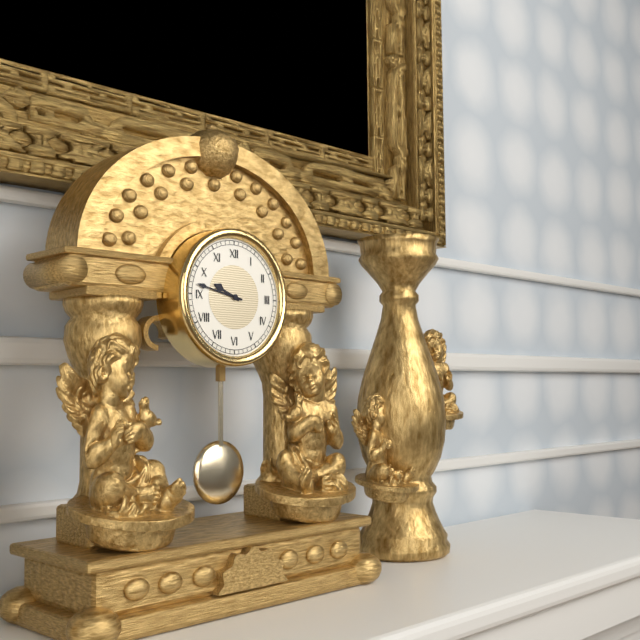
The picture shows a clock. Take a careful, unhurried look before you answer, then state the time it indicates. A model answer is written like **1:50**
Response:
**9:47**
